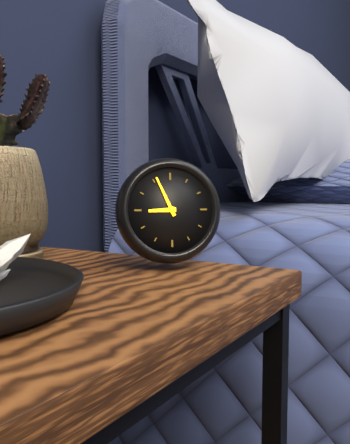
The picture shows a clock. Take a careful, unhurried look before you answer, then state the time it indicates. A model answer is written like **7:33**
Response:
**8:56**
